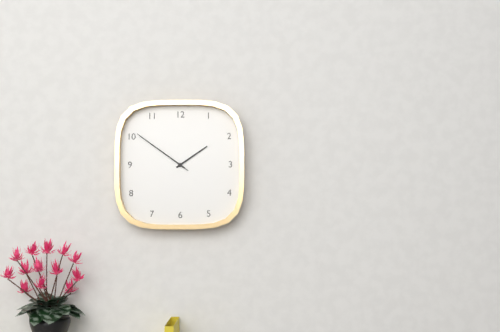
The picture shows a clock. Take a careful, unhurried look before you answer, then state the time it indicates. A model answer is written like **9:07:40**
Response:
**1:51:51**
